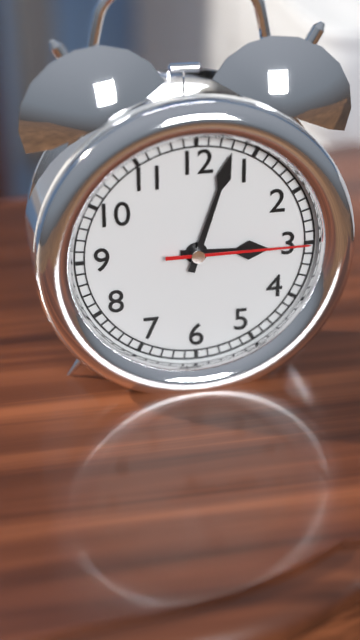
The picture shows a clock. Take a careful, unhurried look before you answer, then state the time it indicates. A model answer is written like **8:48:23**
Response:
**3:03:15**
